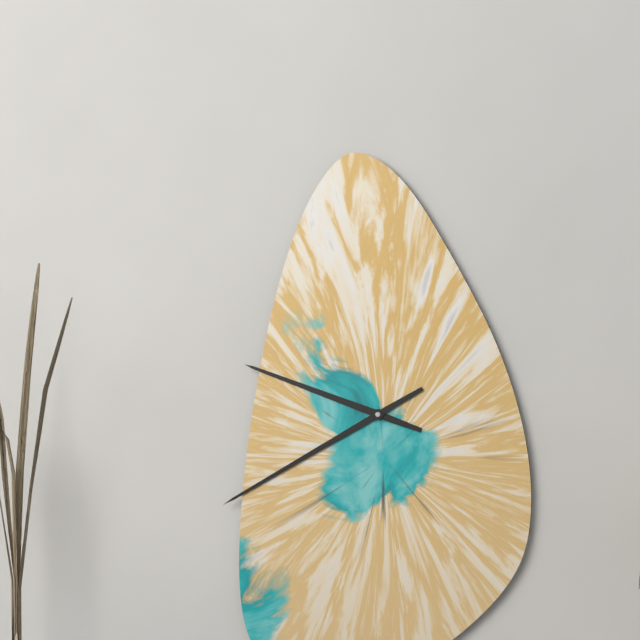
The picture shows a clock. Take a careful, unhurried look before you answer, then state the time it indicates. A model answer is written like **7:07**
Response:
**9:40**
